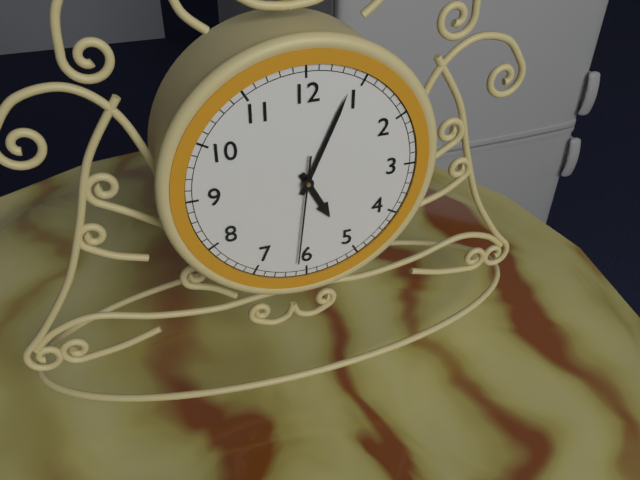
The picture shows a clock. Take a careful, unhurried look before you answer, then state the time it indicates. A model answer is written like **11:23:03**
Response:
**5:04:31**
